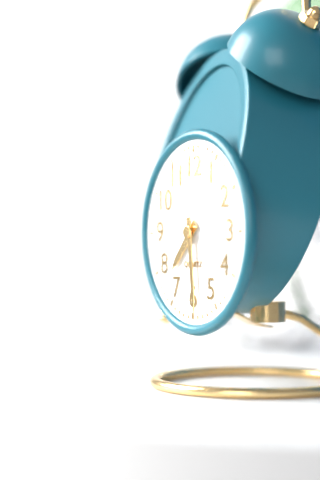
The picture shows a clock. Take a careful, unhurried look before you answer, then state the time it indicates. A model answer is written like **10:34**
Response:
**7:29**
